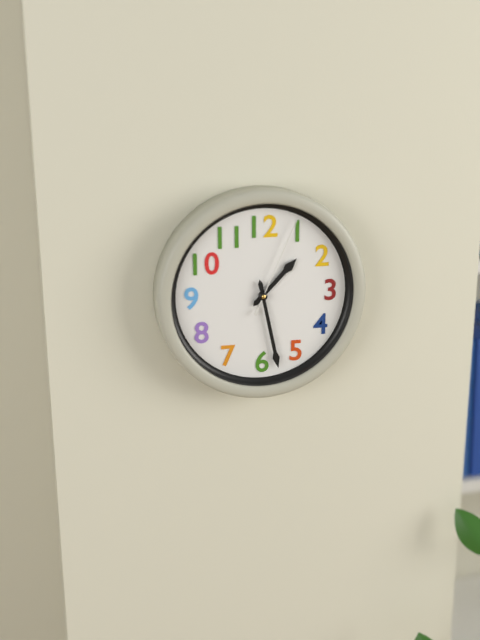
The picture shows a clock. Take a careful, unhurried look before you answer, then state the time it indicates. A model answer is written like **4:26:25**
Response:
**1:28:04**
